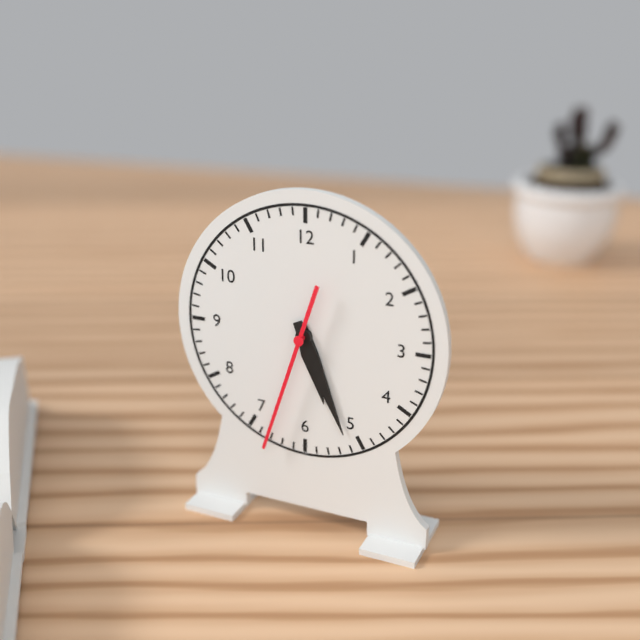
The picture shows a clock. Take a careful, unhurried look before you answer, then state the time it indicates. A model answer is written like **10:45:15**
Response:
**5:26:33**
